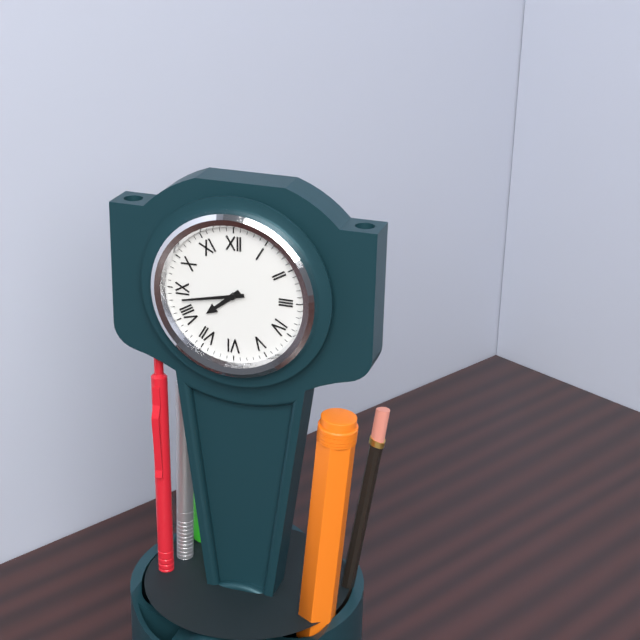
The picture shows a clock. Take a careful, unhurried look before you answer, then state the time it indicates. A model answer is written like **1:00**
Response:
**7:43**
